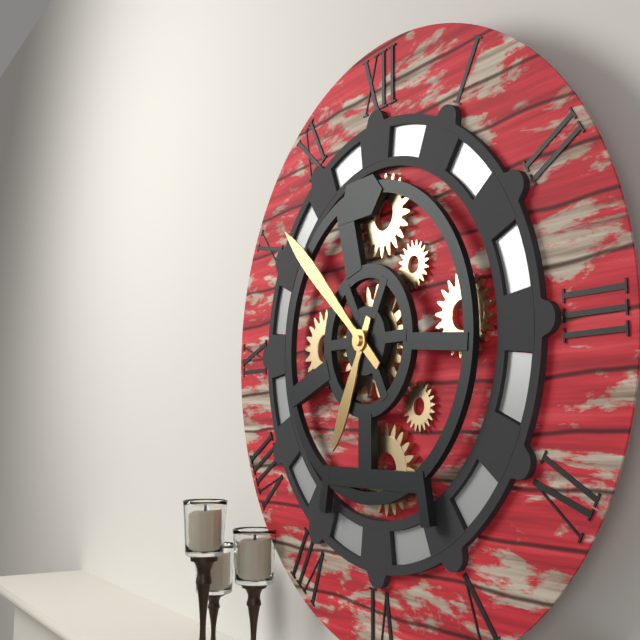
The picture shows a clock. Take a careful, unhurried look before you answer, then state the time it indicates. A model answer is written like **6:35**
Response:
**6:52**
